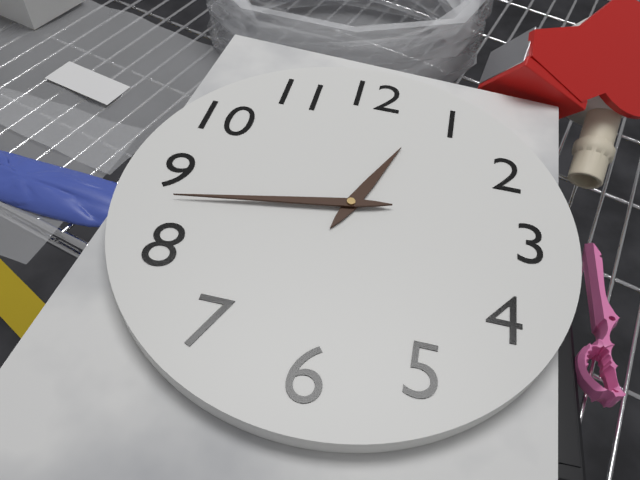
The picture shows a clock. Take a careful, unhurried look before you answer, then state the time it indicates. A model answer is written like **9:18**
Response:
**12:43**
